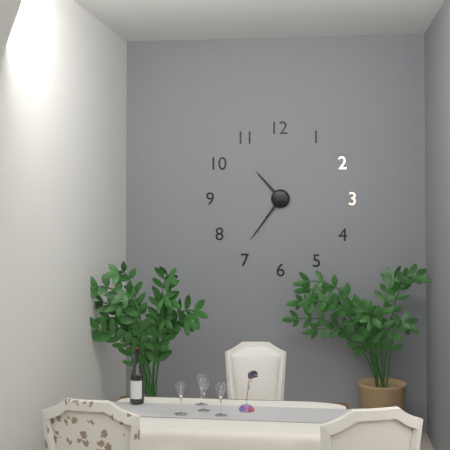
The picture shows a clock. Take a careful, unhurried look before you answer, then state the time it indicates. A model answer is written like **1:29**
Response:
**10:36**
